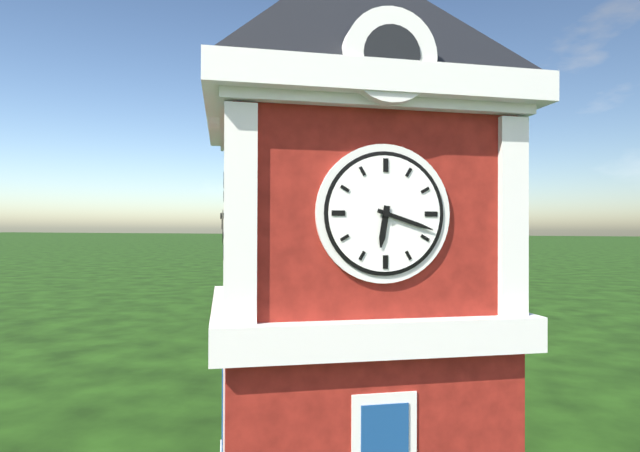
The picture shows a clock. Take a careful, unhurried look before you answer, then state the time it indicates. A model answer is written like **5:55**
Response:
**6:18**
